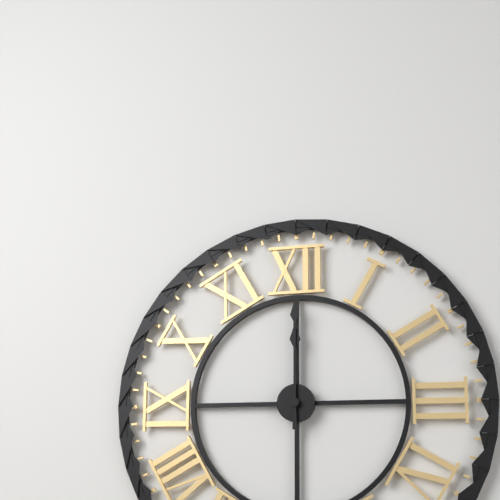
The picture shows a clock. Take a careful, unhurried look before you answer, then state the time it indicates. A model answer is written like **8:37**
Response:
**12:00**
